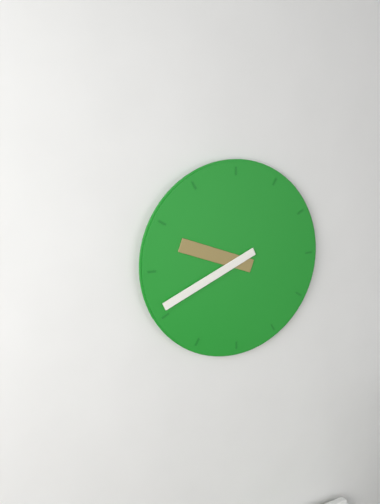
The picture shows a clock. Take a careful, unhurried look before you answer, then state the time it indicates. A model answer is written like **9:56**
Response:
**9:41**
